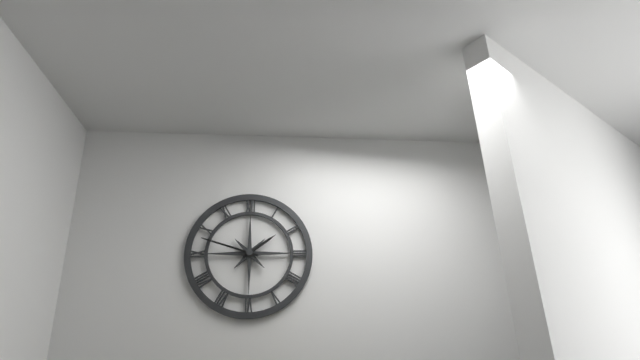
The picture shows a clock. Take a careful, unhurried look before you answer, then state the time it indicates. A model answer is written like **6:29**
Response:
**1:48**
